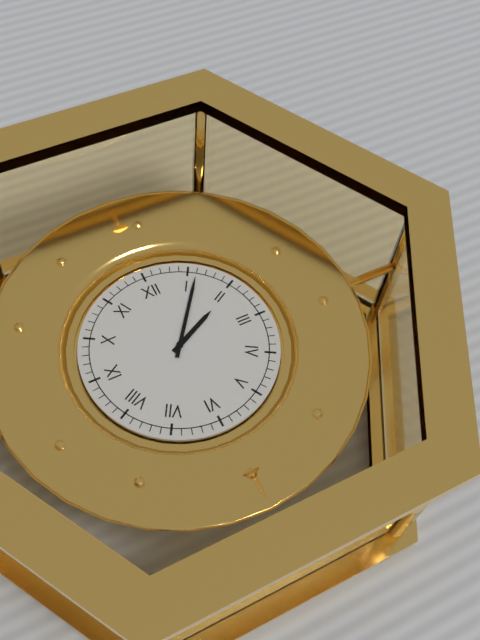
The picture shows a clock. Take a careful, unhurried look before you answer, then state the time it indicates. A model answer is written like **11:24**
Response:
**2:06**
